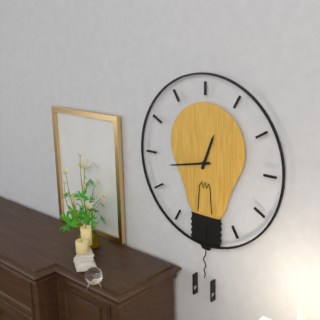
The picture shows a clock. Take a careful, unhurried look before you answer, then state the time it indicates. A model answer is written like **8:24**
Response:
**12:43**
